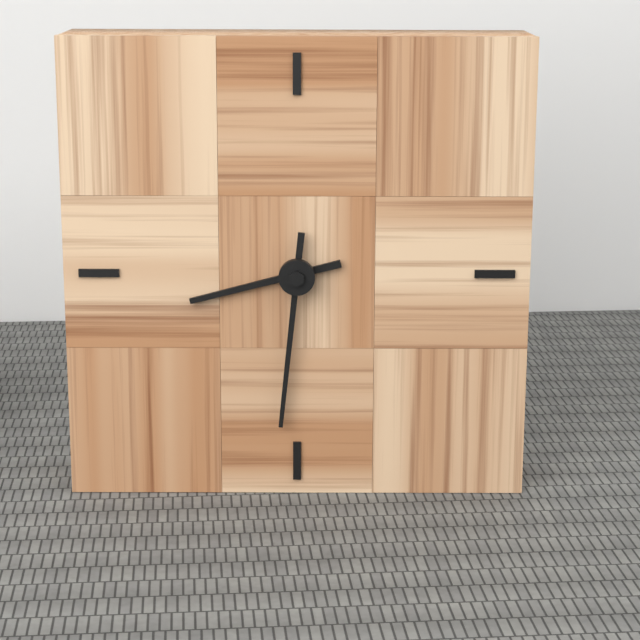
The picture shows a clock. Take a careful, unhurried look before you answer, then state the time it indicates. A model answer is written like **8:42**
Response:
**8:31**
